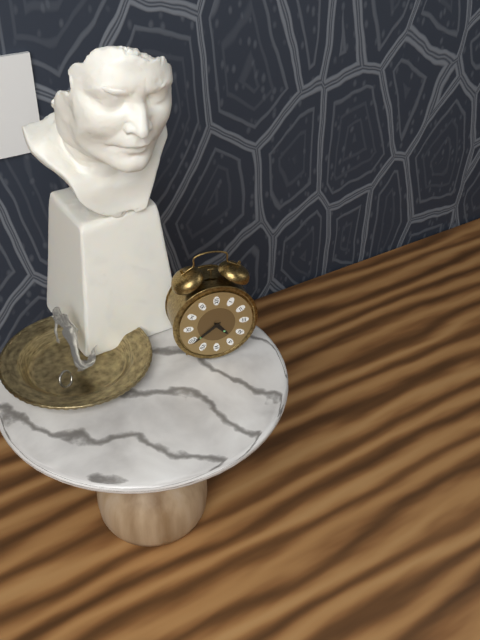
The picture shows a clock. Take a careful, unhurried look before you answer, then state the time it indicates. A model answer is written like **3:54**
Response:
**4:39**
